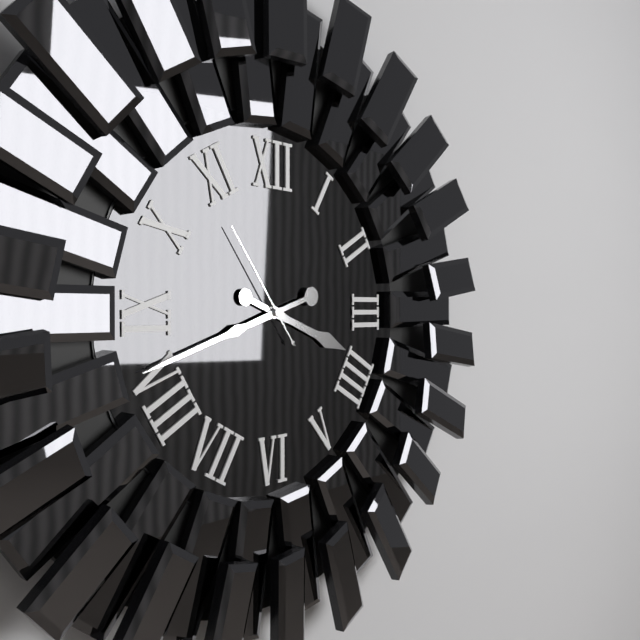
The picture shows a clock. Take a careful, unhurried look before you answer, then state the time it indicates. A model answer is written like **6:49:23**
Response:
**3:42:54**
